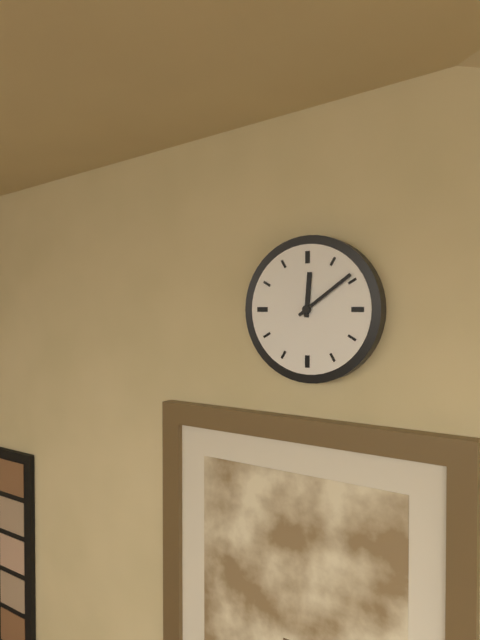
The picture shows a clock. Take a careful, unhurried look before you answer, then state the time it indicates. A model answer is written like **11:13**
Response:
**12:09**
